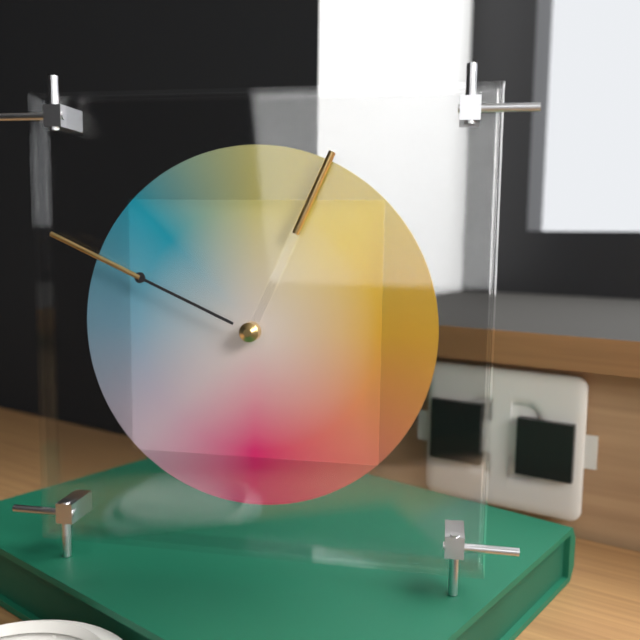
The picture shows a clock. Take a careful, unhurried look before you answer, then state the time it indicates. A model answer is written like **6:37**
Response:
**12:49**
